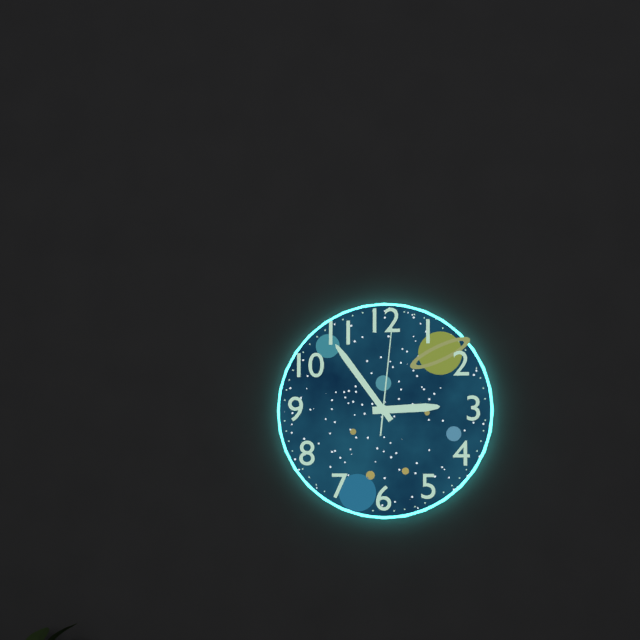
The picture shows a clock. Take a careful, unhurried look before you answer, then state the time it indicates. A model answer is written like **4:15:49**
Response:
**2:54:01**
